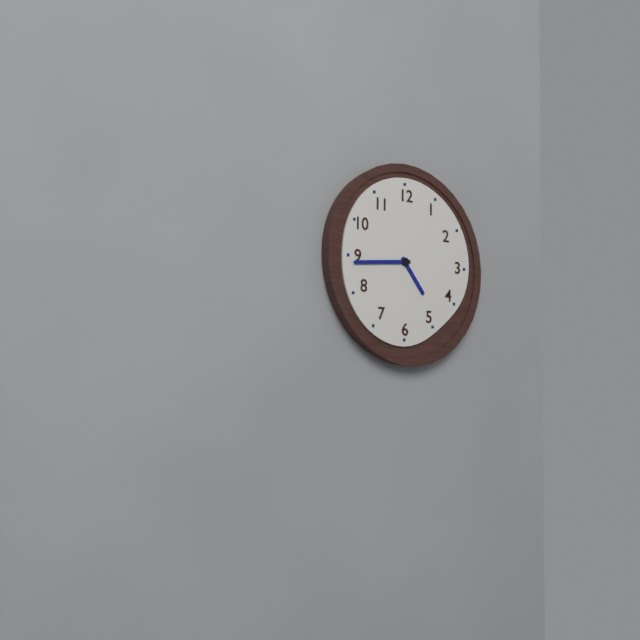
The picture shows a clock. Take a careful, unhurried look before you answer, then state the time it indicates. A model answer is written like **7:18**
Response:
**4:44**
